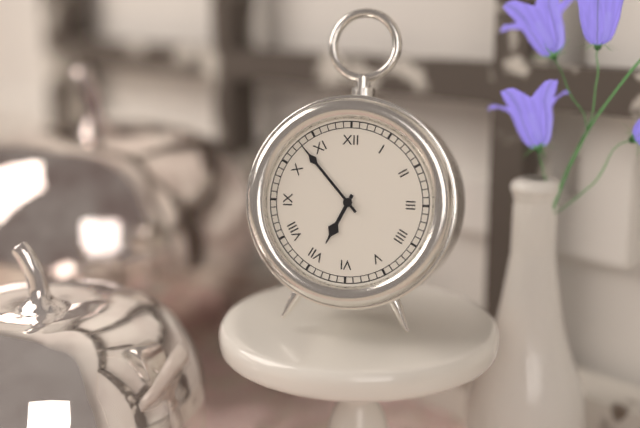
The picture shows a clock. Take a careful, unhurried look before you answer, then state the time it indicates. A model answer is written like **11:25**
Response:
**6:53**
